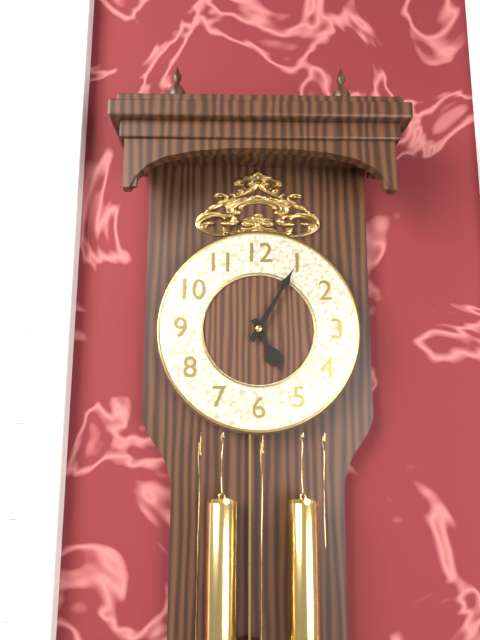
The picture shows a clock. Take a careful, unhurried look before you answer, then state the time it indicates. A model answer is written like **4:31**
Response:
**5:05**
